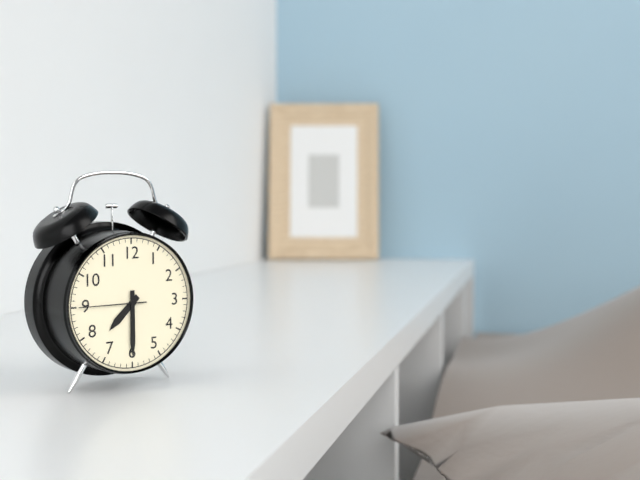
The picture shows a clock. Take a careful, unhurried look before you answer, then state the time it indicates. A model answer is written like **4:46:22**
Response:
**7:30:45**
